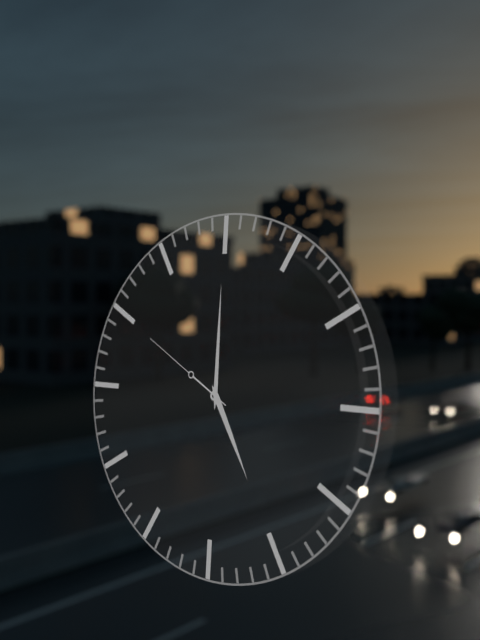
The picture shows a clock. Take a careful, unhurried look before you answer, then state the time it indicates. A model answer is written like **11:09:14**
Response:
**5:00:50**
